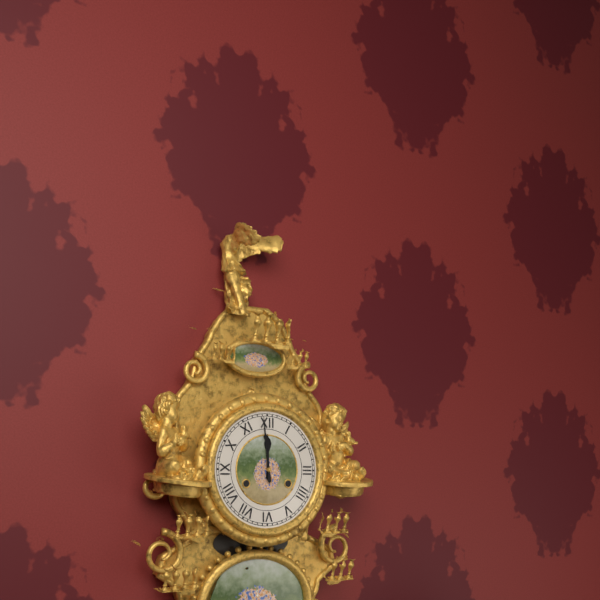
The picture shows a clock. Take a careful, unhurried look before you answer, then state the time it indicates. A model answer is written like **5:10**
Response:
**11:59**
